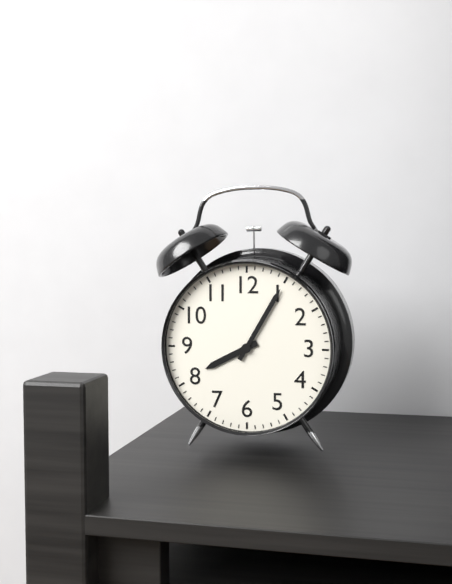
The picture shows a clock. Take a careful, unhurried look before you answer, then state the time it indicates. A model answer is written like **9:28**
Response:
**8:05**
